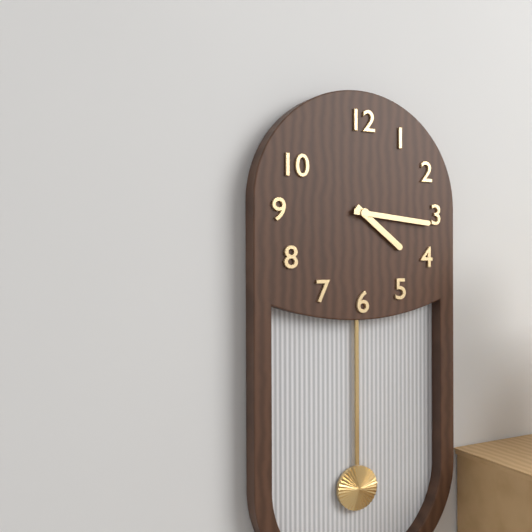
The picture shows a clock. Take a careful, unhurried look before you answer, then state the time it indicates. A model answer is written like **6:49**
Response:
**4:16**
